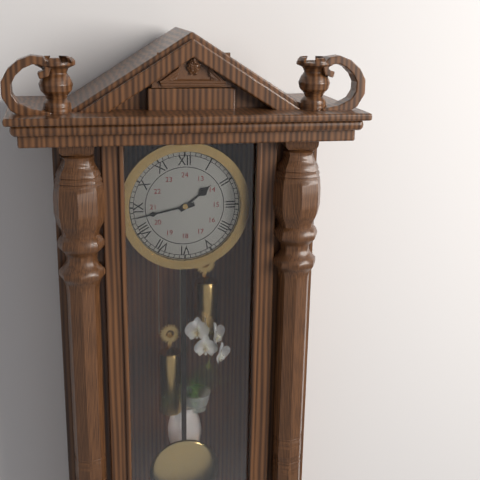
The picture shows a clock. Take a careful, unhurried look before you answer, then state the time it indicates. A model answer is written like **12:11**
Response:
**1:43**
